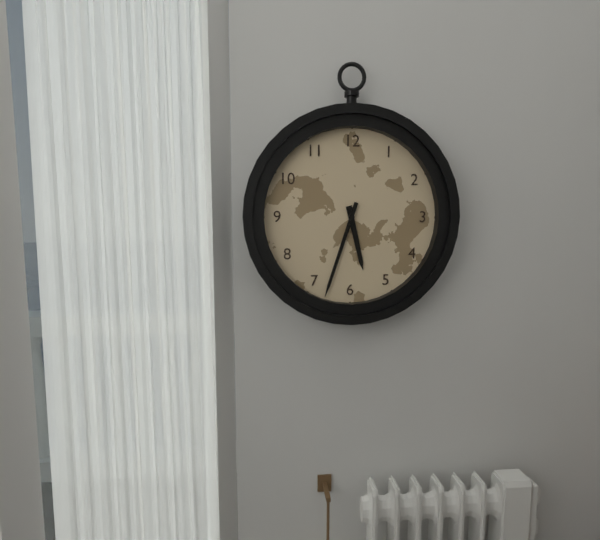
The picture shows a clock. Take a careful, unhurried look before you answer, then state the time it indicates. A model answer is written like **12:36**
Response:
**5:33**
